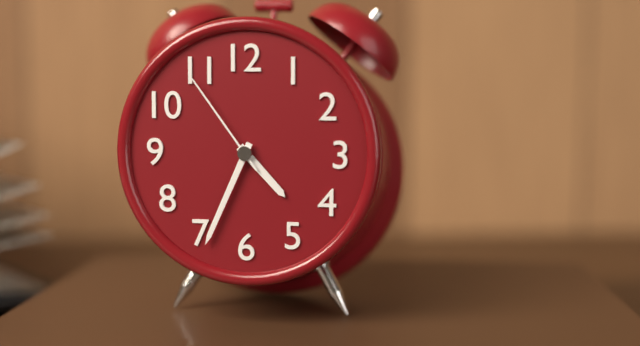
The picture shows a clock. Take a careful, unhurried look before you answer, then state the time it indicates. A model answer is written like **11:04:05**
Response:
**4:34:54**
